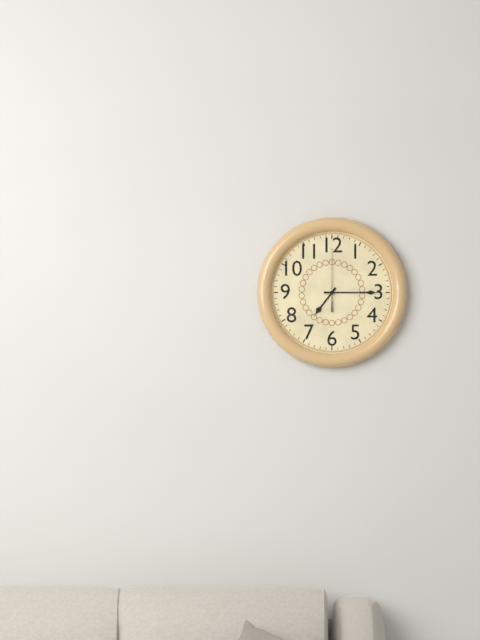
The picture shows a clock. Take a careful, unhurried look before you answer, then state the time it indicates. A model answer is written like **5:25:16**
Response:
**7:15:00**
